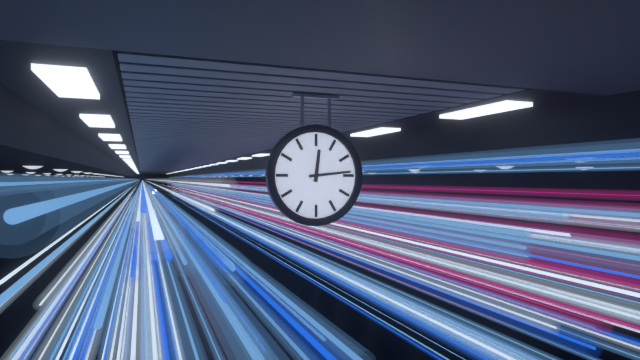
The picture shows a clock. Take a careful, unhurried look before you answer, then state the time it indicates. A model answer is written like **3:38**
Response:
**12:14**
